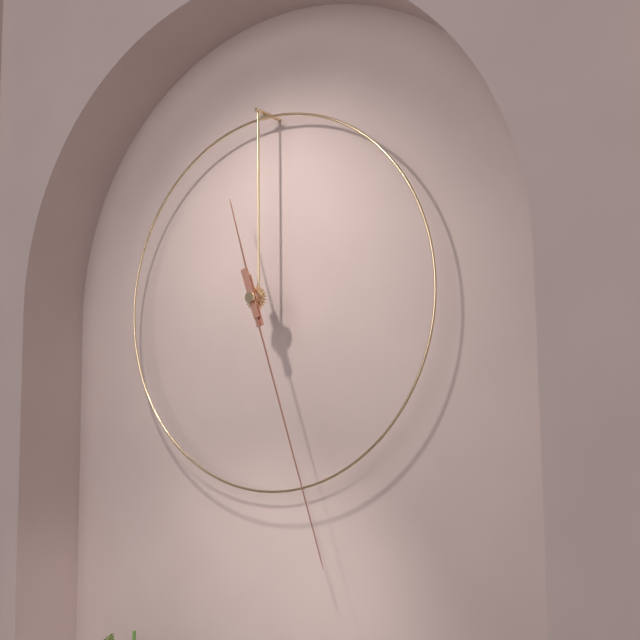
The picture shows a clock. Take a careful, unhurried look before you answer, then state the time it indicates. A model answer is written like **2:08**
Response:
**11:27**
